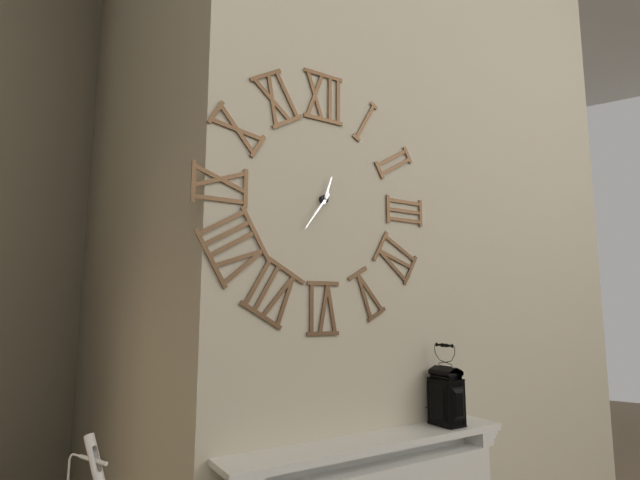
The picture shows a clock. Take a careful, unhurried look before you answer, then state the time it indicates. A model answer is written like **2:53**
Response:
**12:36**
